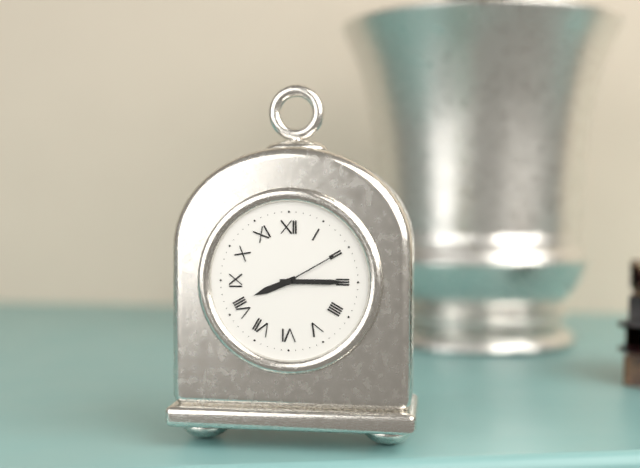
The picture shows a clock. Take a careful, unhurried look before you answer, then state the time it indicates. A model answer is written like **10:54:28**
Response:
**8:15:10**
